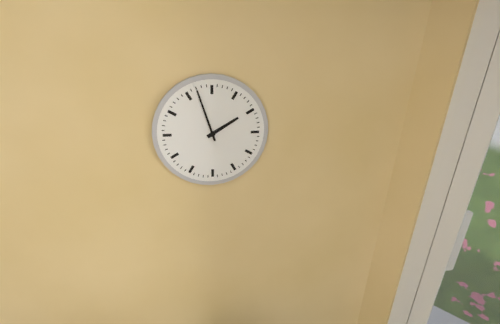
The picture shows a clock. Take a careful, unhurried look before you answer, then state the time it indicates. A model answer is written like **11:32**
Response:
**1:57**
